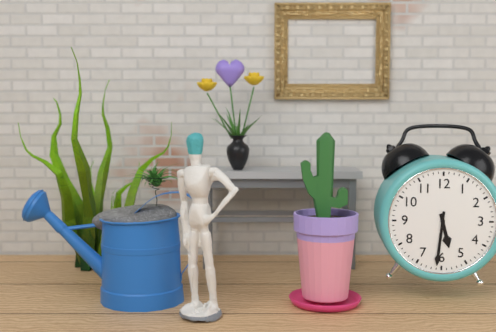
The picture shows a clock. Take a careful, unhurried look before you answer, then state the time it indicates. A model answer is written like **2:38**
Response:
**5:31**
